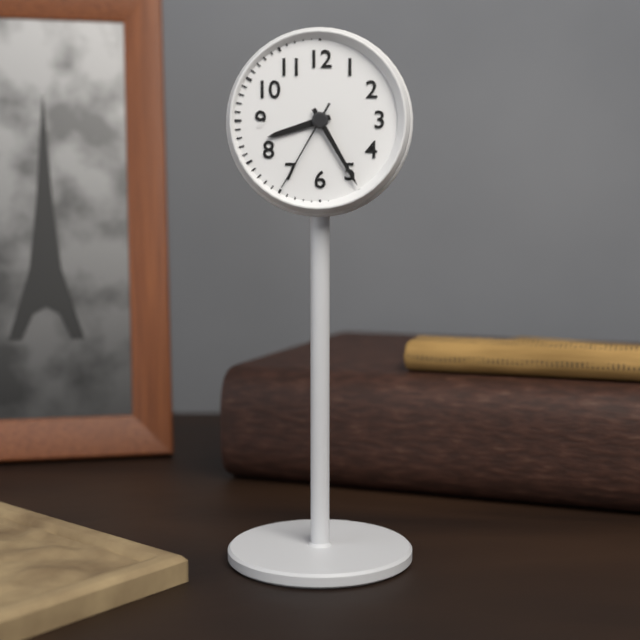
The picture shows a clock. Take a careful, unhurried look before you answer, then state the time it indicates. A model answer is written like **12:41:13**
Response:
**8:25:35**
